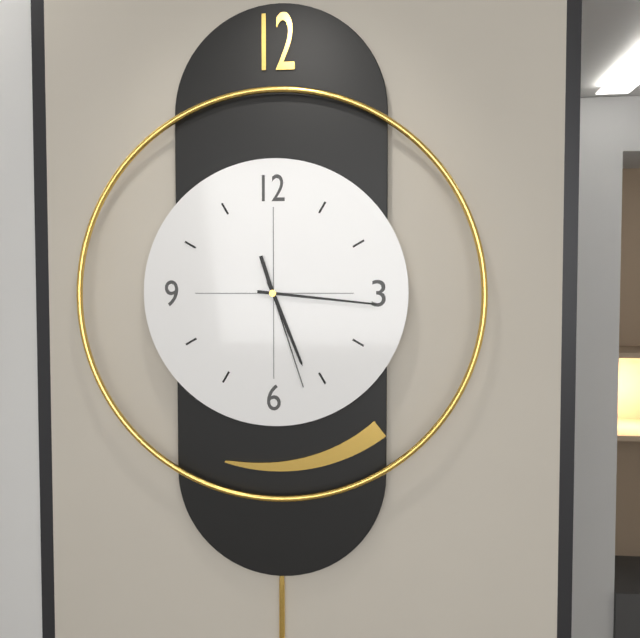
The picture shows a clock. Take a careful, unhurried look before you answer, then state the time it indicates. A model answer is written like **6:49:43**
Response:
**5:16:27**
